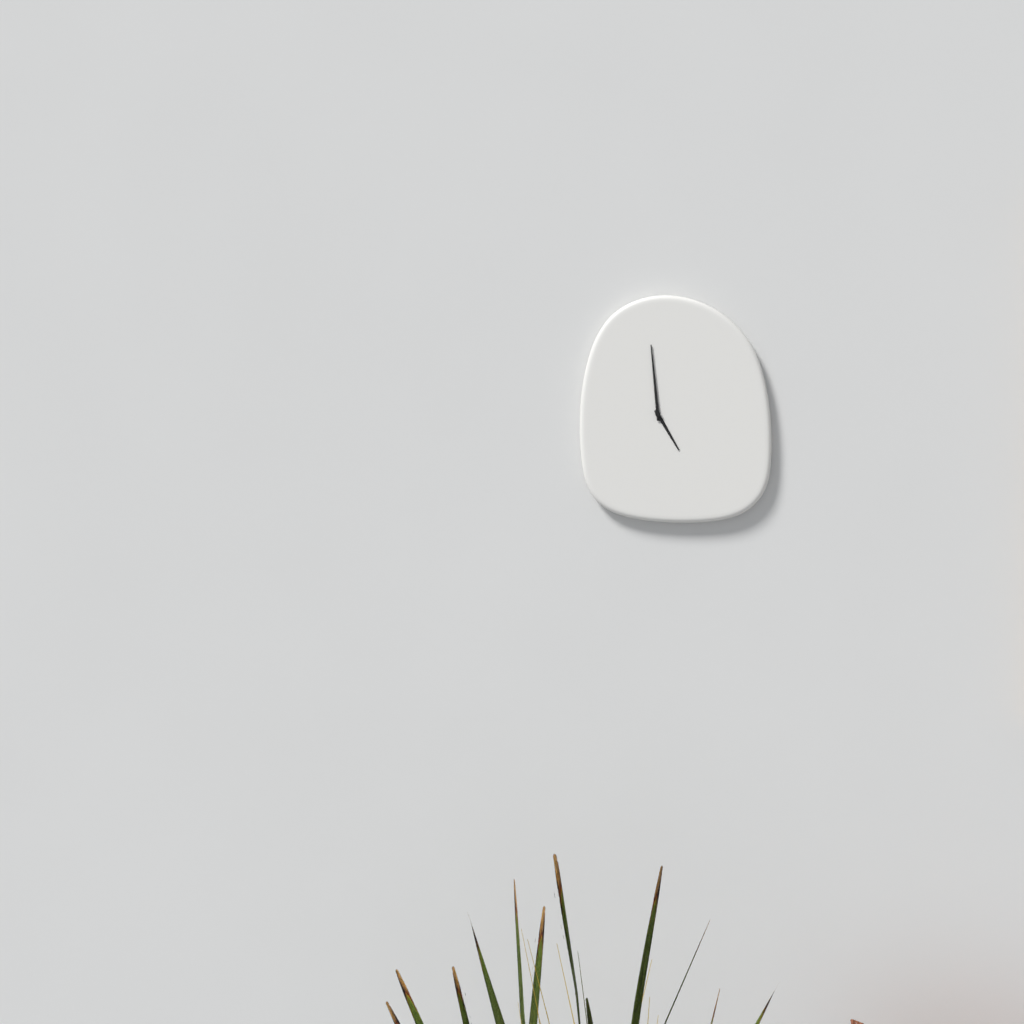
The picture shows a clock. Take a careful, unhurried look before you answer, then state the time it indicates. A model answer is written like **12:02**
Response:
**4:59**
